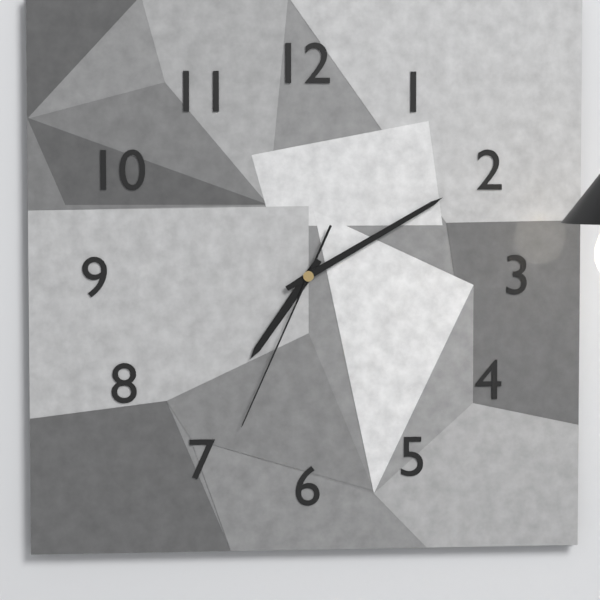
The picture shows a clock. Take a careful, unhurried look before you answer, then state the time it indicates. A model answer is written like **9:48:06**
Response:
**7:10:34**
